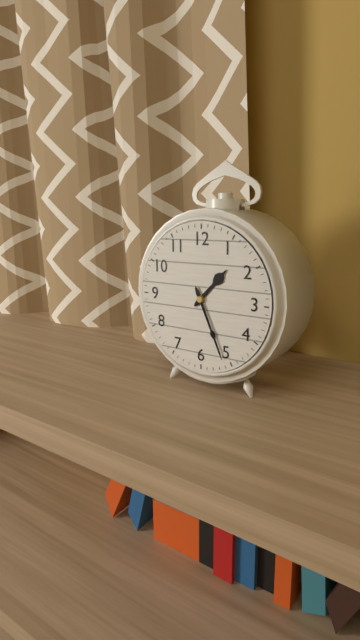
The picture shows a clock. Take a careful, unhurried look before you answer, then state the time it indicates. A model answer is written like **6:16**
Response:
**1:26**
